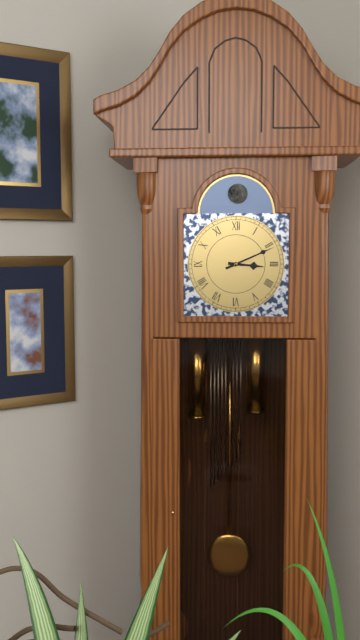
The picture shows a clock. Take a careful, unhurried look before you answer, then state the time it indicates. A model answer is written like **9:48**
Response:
**3:11**
